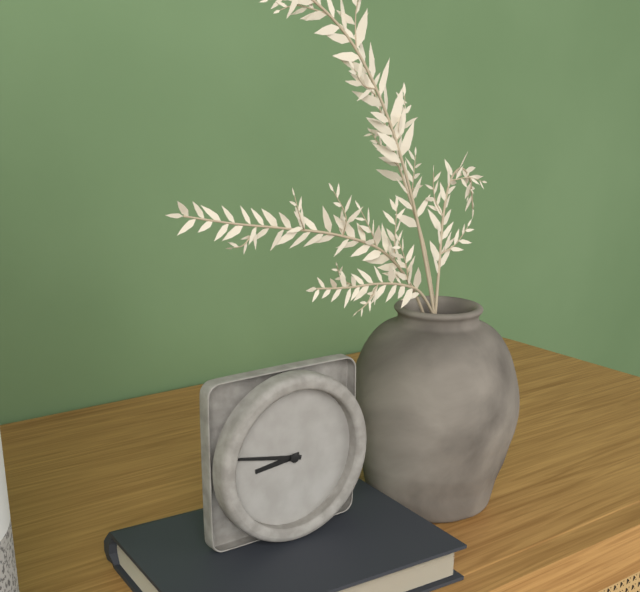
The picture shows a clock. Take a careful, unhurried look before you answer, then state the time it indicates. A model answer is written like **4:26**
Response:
**8:47**
